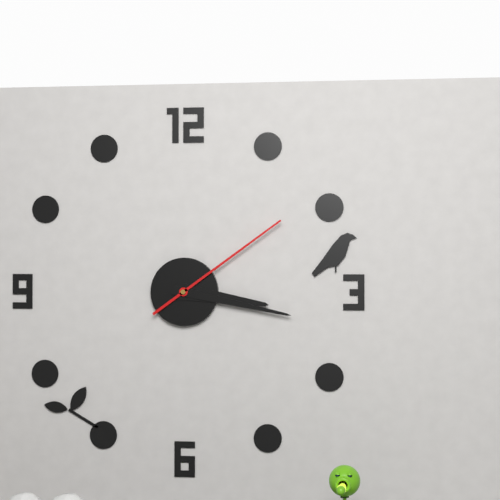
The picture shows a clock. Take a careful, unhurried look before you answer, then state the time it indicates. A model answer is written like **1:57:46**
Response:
**3:17:09**
